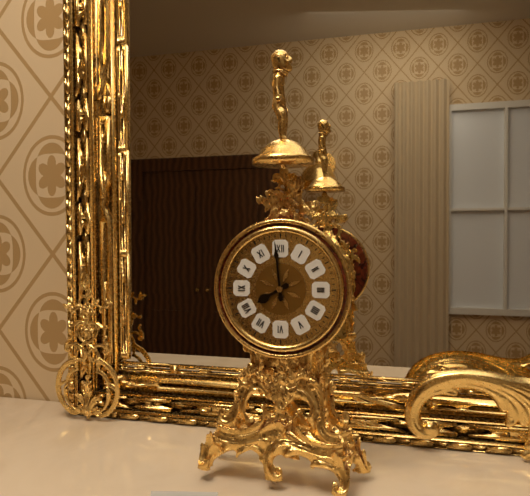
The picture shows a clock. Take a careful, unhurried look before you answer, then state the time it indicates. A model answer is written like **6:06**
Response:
**7:59**
